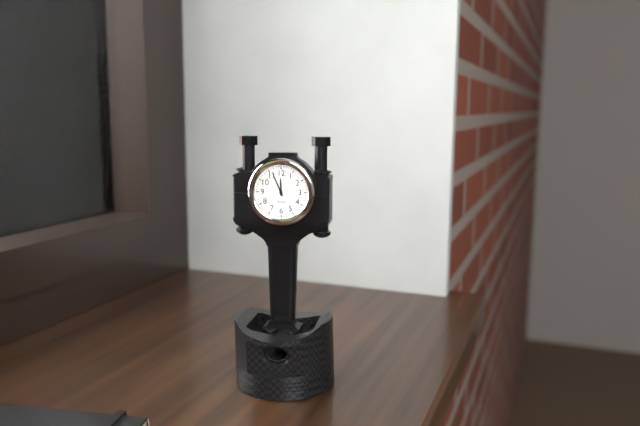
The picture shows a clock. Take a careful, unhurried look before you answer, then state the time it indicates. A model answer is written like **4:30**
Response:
**11:56**
